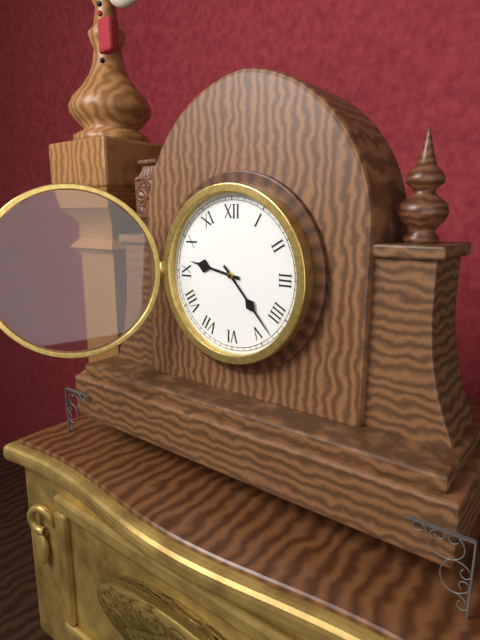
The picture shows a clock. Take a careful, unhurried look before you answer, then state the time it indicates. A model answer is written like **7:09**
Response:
**9:23**
